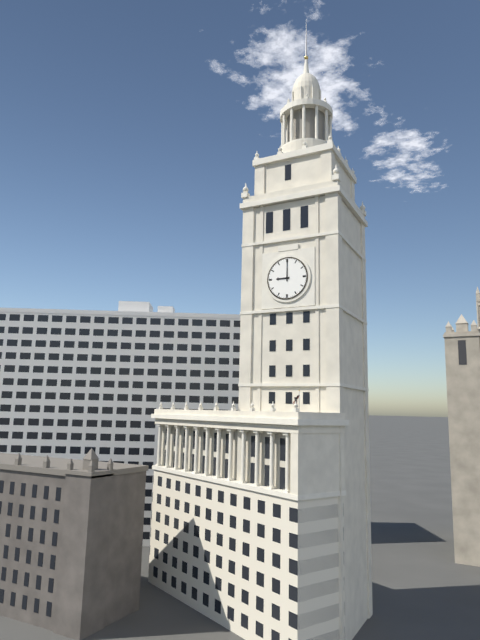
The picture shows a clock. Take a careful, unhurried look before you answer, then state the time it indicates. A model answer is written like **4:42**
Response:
**9:00**
